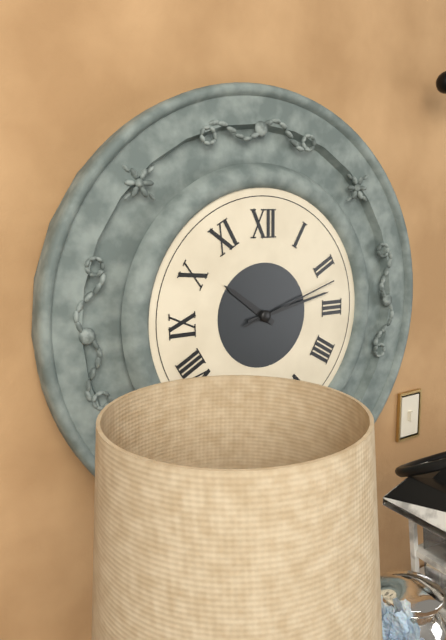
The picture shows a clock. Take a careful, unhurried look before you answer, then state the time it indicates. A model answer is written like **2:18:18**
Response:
**10:13:12**
